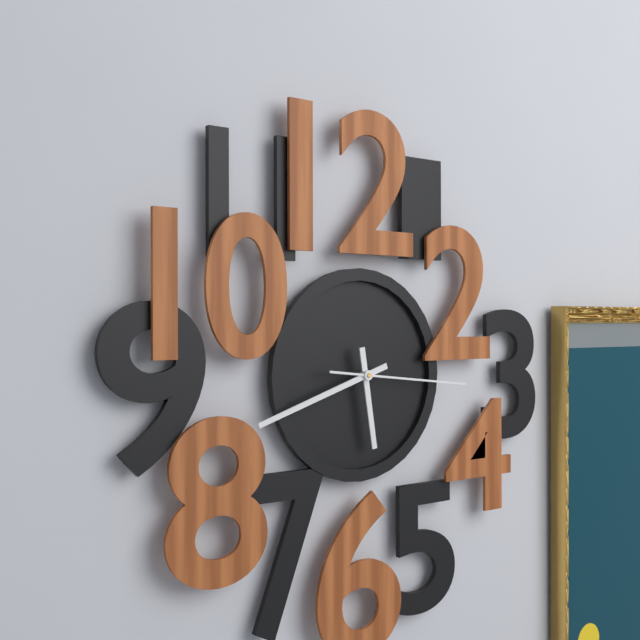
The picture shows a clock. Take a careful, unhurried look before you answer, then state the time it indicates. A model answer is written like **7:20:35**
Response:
**5:42:16**
